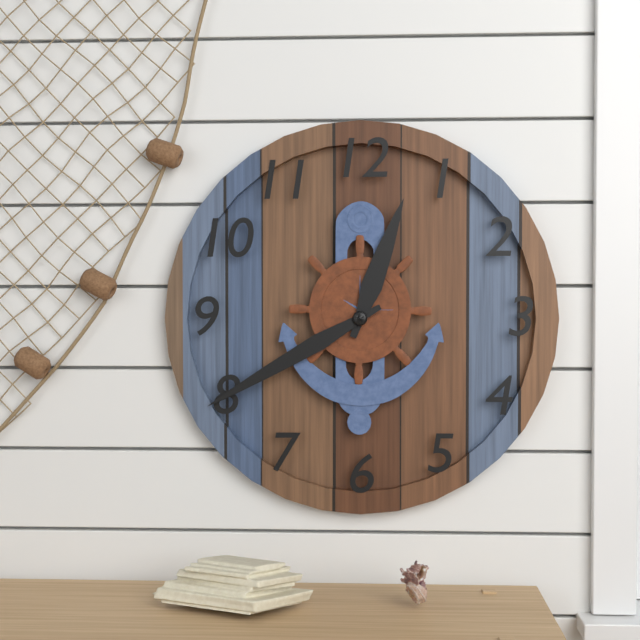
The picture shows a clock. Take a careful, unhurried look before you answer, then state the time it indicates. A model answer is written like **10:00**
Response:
**12:40**
